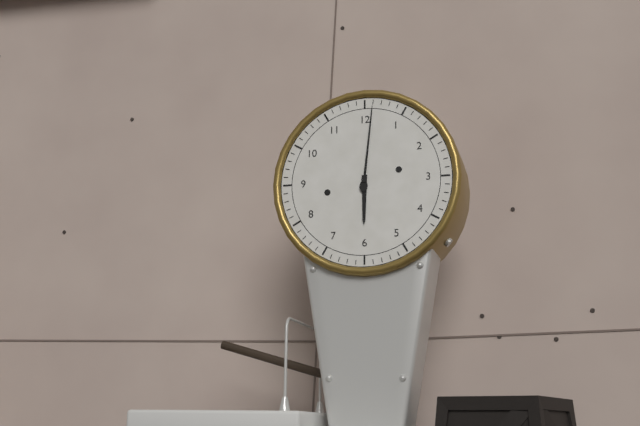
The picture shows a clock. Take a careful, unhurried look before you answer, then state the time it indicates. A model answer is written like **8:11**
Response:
**6:01**
